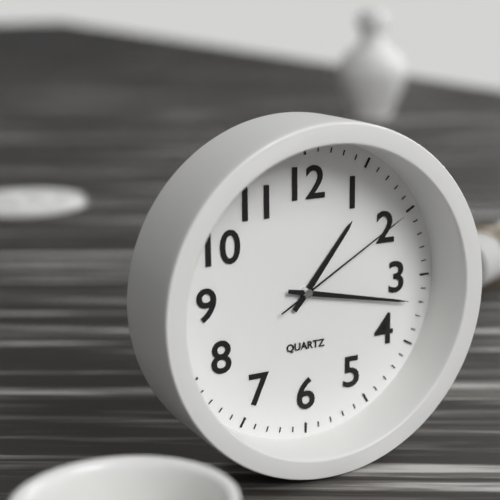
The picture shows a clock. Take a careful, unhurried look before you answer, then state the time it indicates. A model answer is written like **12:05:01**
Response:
**1:17:10**
